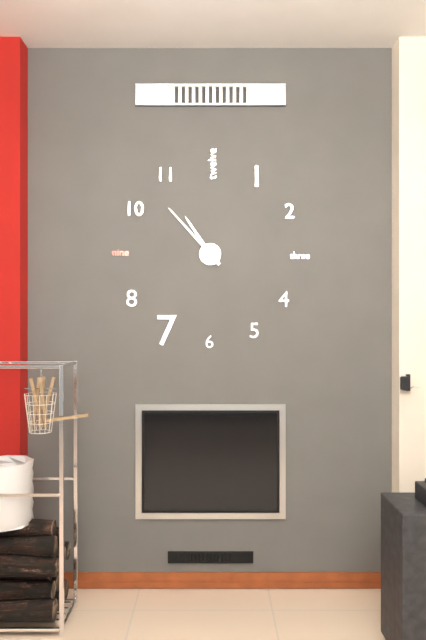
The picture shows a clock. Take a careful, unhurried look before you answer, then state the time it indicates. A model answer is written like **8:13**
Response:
**10:53**
